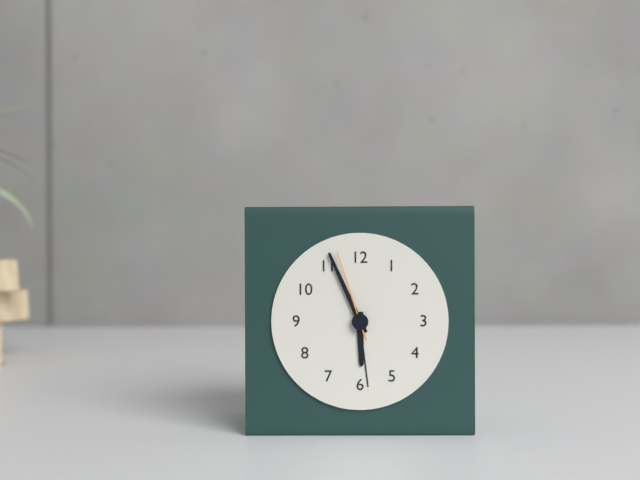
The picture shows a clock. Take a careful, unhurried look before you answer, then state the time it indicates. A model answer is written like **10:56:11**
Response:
**5:56:57**
